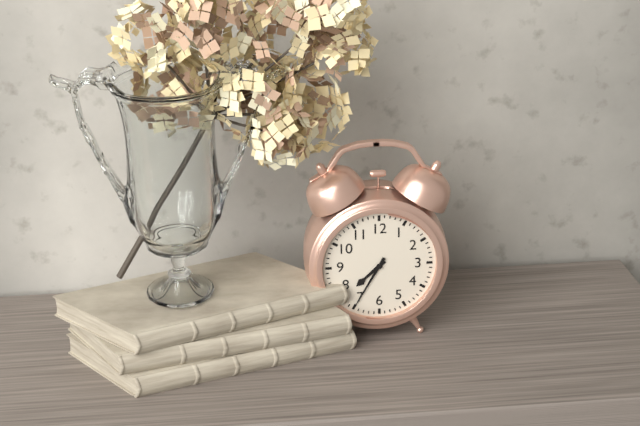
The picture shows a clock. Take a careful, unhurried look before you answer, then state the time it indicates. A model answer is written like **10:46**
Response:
**7:35**
